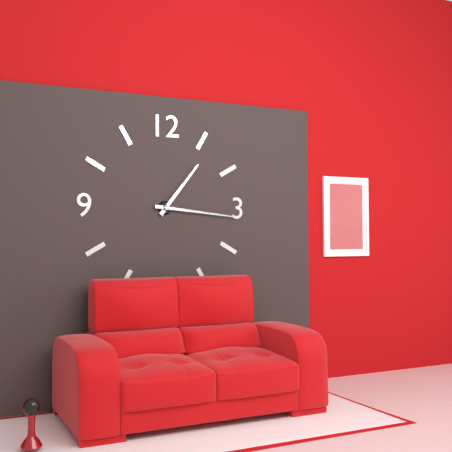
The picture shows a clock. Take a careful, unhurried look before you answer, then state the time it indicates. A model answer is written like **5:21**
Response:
**1:16**
